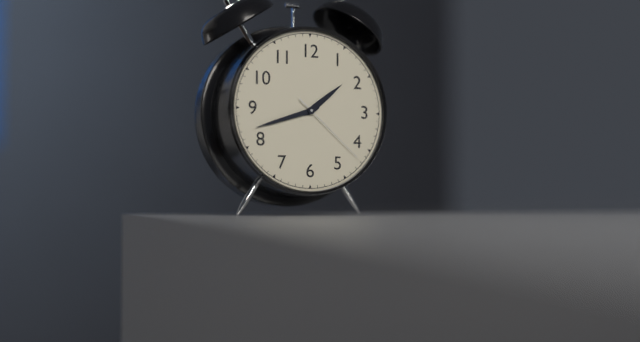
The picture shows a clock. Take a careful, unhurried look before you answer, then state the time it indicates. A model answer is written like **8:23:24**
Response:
**1:42:22**
